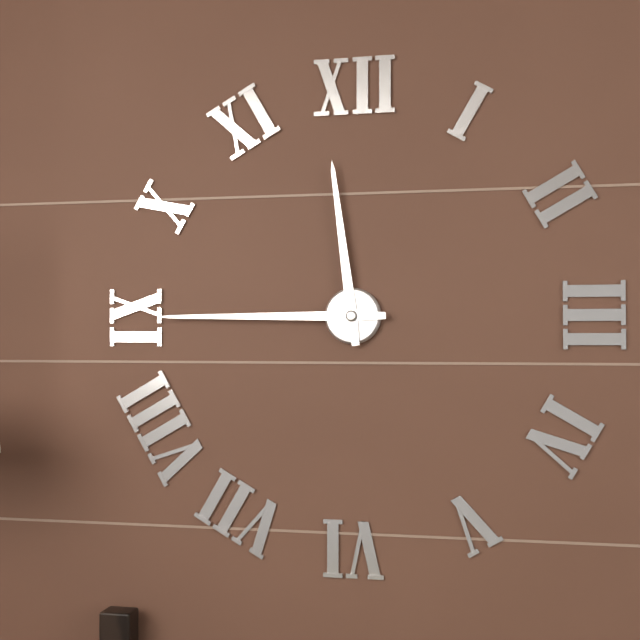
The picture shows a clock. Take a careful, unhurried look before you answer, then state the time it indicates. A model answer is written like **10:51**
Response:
**11:45**
